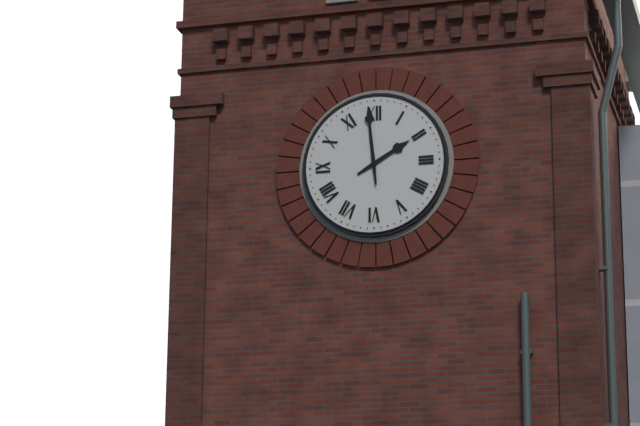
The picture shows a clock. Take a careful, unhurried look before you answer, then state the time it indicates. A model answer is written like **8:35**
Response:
**1:59**
